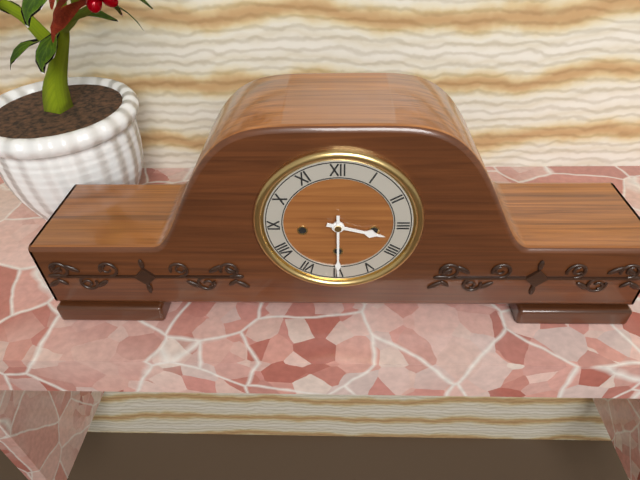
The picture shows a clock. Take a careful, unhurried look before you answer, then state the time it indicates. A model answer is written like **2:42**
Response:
**3:30**
